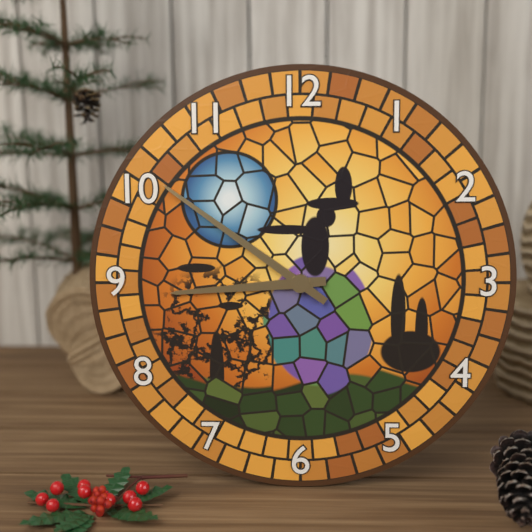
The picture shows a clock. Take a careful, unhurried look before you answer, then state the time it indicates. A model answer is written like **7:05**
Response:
**8:51**
